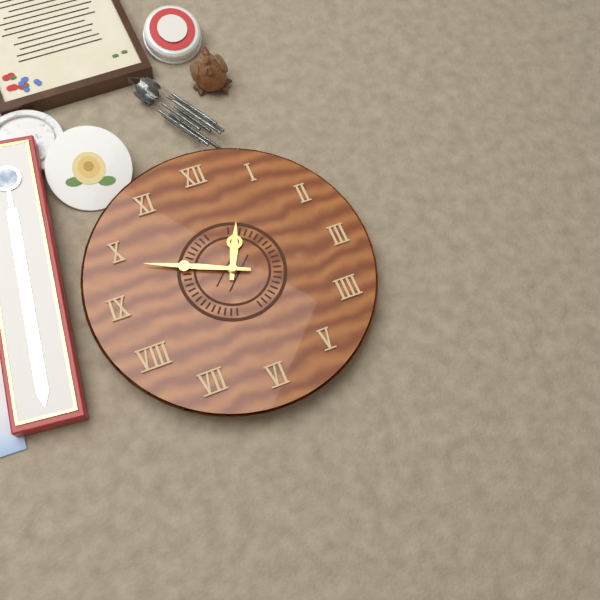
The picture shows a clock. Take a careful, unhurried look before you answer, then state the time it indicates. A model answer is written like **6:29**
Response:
**12:49**
